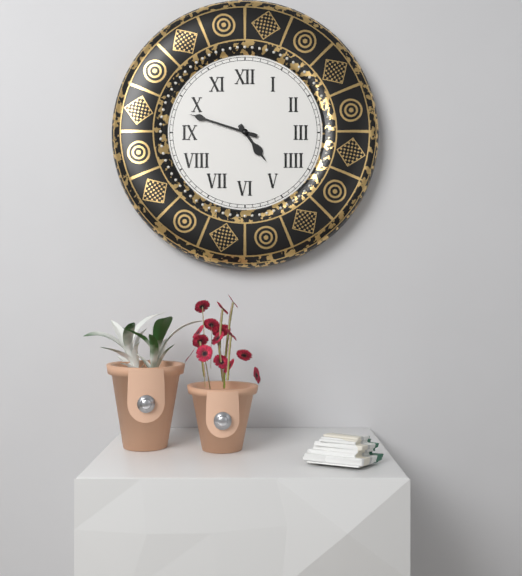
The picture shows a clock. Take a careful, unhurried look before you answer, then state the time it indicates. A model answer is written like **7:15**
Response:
**4:48**
